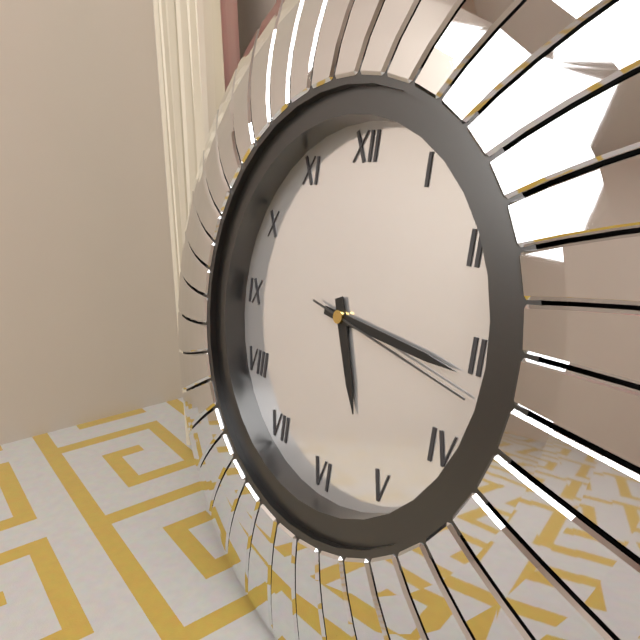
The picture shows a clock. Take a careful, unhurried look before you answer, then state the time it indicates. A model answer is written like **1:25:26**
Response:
**5:16:17**
